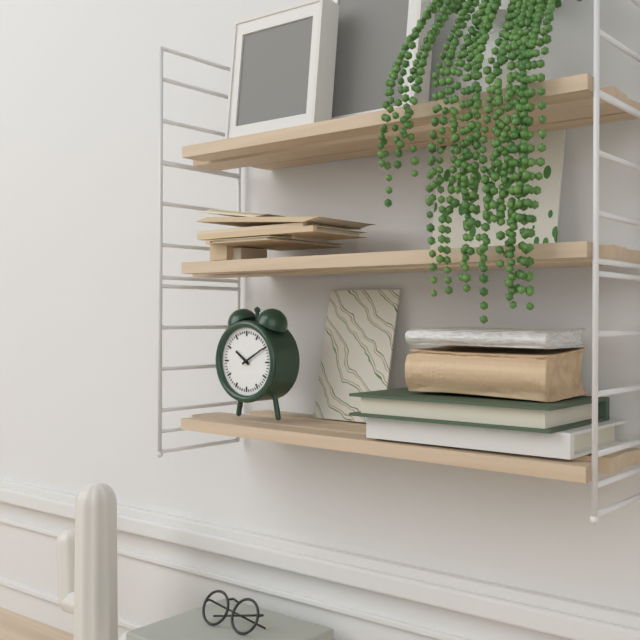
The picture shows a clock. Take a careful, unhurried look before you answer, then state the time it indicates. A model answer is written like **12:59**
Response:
**10:10**
